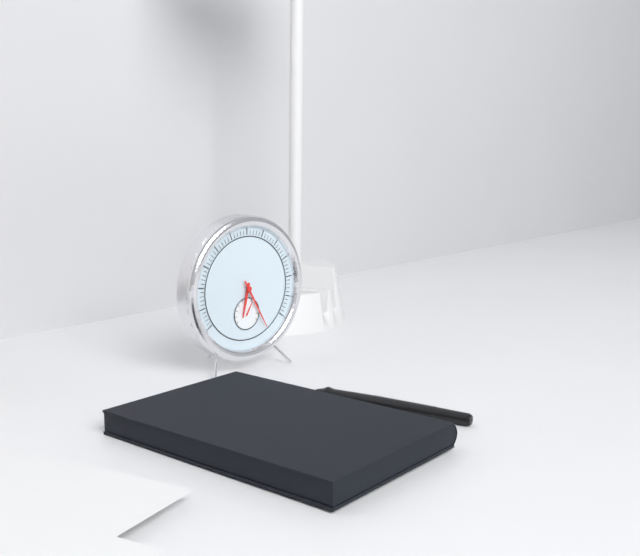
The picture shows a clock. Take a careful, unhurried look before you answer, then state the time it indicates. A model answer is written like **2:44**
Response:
**6:25**
